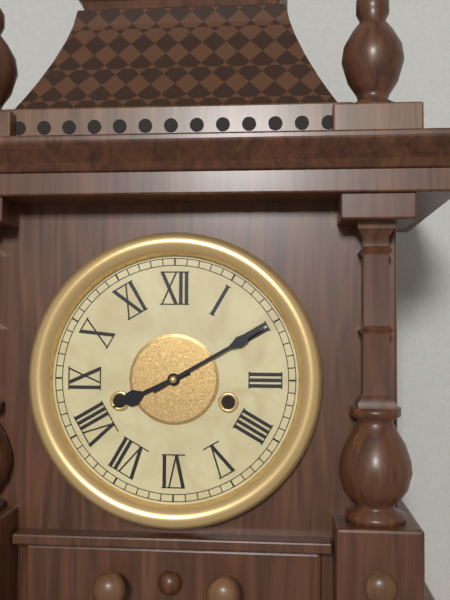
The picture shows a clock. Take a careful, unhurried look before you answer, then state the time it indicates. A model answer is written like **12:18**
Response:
**8:10**
